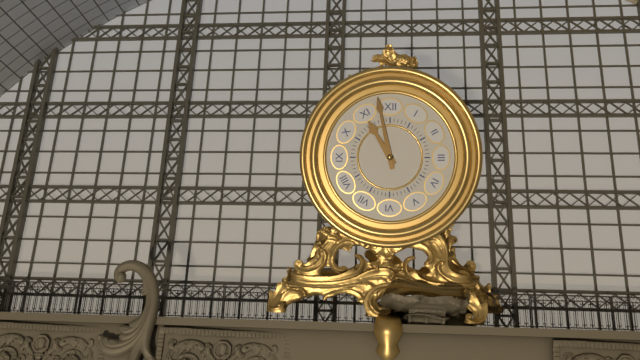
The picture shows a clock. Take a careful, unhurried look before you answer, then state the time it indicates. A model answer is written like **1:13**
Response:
**10:58**
